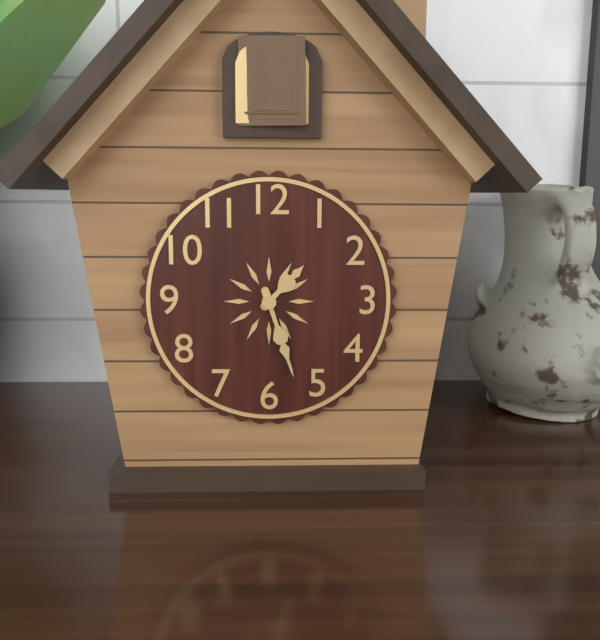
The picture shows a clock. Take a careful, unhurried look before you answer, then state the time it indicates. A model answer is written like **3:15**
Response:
**1:27**
